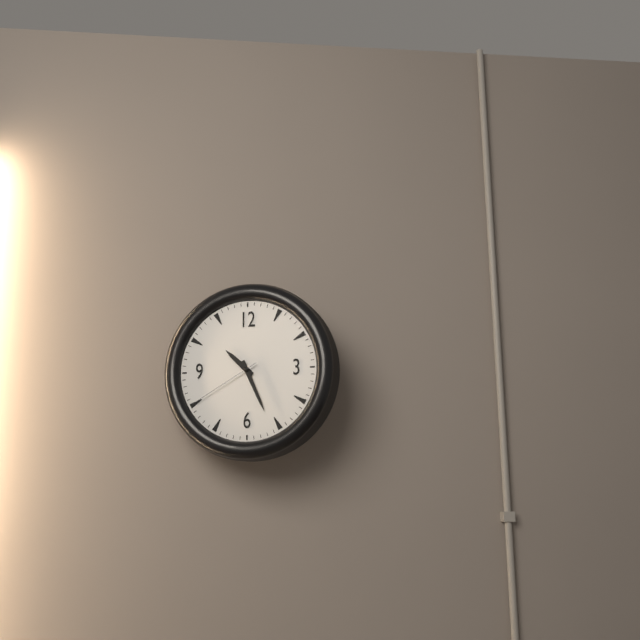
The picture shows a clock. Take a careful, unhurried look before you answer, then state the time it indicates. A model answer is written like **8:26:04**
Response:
**10:26:40**
